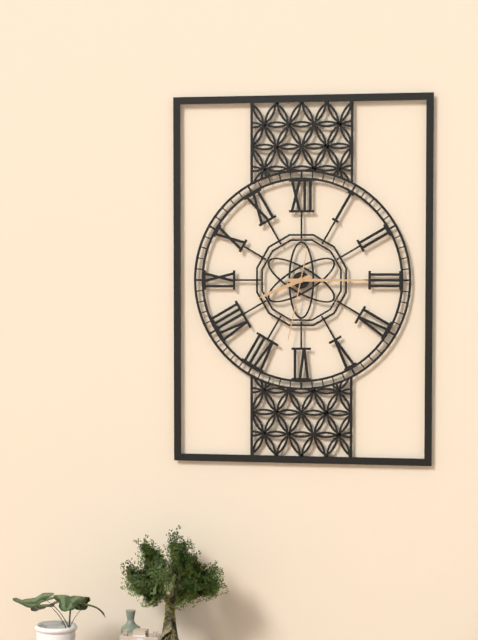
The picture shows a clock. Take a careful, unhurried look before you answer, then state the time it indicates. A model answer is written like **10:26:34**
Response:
**8:15:32**
